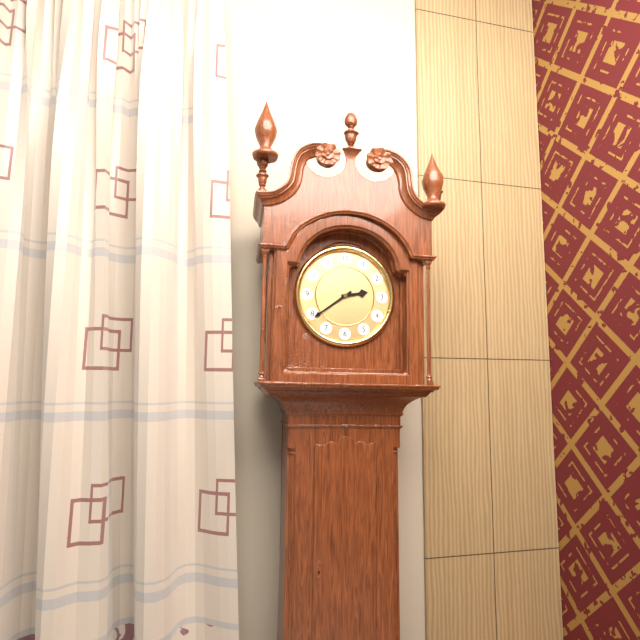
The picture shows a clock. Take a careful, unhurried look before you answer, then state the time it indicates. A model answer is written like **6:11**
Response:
**2:39**
